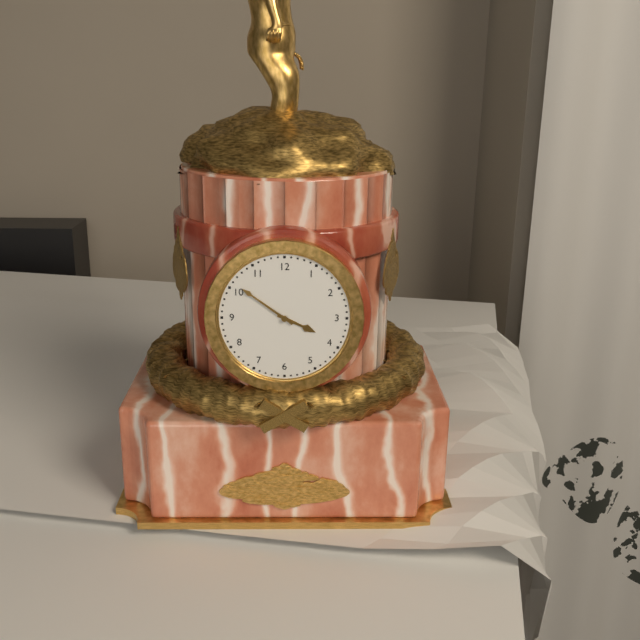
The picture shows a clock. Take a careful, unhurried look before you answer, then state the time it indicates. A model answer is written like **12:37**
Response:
**3:51**
